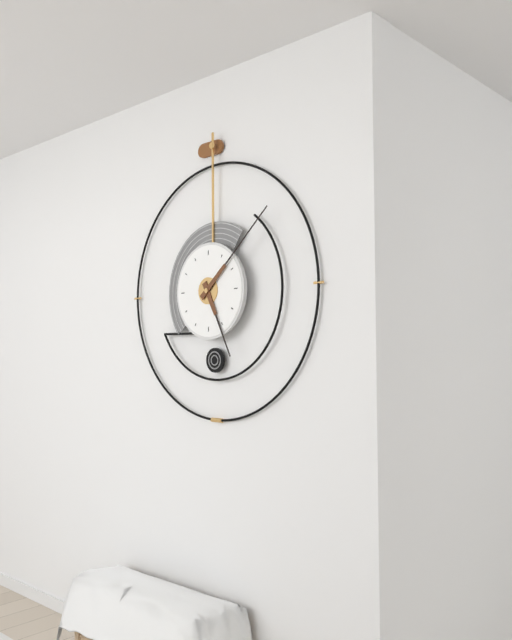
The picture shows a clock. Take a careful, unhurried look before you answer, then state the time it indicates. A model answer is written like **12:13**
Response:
**5:08**
